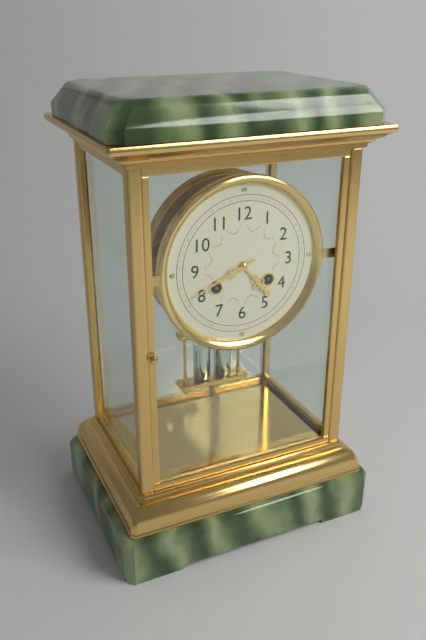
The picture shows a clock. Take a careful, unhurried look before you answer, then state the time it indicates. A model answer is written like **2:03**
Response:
**4:41**
